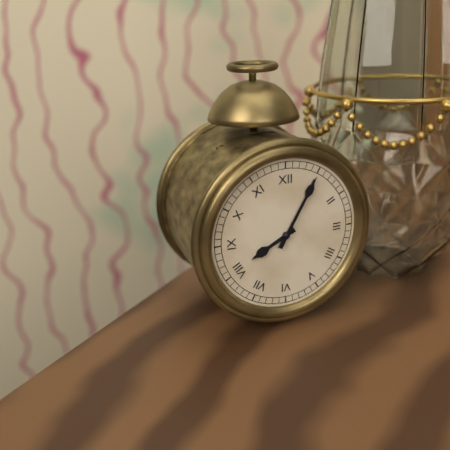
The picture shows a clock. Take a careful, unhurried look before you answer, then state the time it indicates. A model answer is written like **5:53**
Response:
**8:05**
